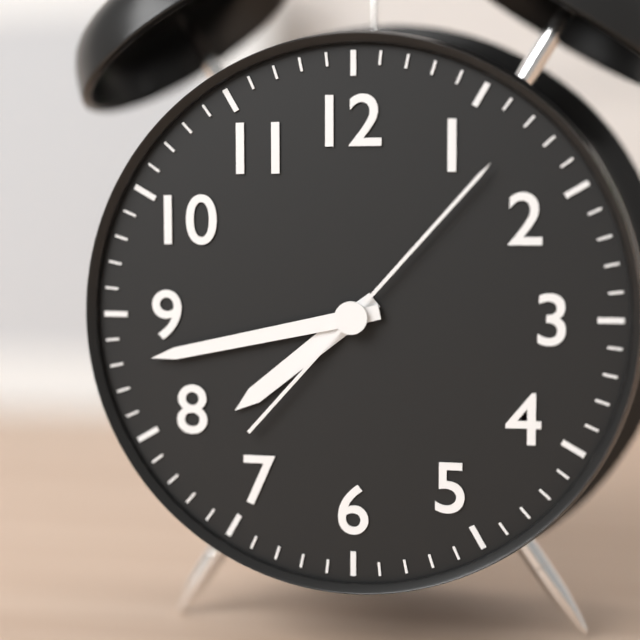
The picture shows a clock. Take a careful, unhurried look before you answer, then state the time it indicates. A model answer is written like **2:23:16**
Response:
**7:43:07**
